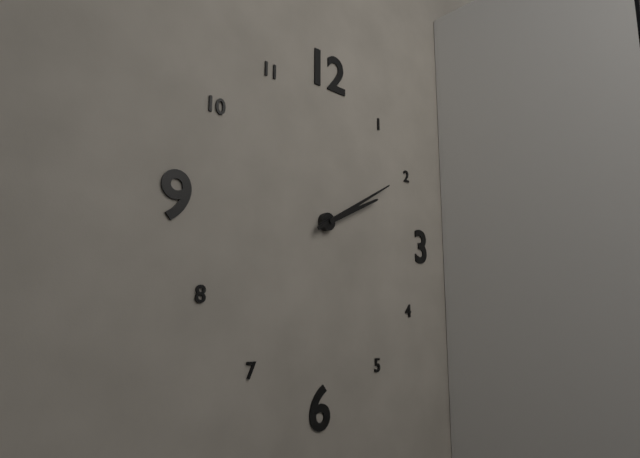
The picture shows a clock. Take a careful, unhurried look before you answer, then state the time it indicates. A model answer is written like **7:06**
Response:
**2:10**
